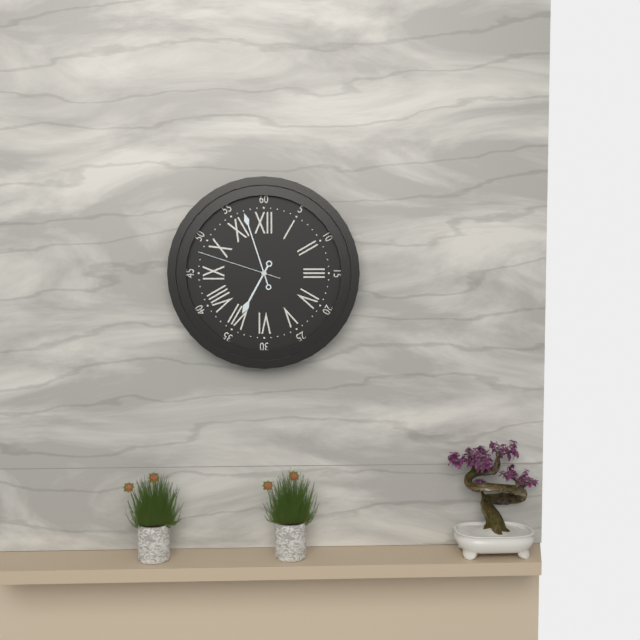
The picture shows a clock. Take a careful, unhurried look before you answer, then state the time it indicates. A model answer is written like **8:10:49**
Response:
**6:57:48**
